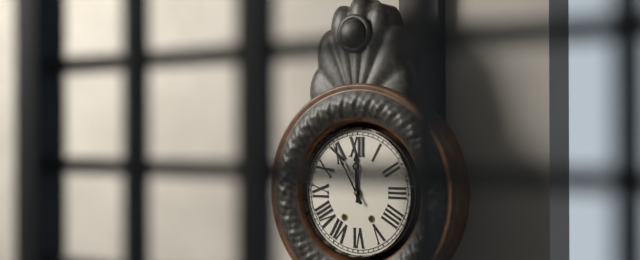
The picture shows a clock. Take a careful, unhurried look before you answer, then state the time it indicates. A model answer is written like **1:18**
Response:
**11:55**
